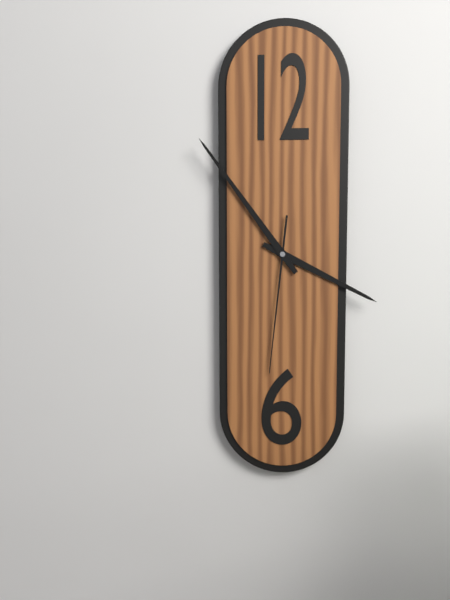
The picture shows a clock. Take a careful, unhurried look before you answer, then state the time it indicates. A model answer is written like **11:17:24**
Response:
**3:54:31**
